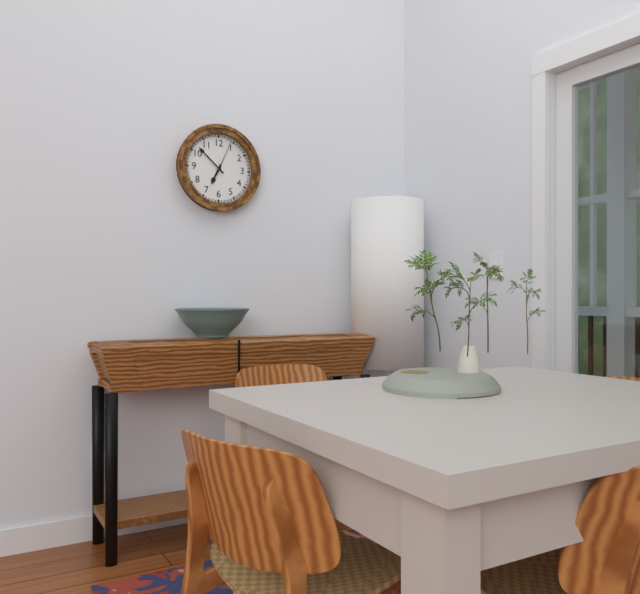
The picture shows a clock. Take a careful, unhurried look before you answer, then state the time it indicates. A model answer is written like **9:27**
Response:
**6:52**
